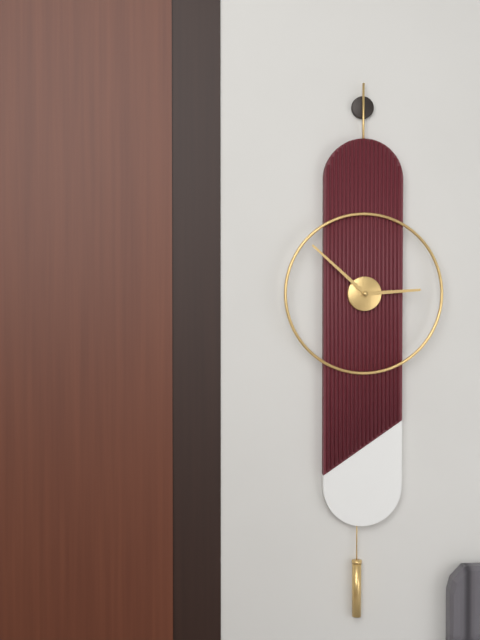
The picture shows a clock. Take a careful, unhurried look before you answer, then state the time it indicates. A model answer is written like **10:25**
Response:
**2:52**
